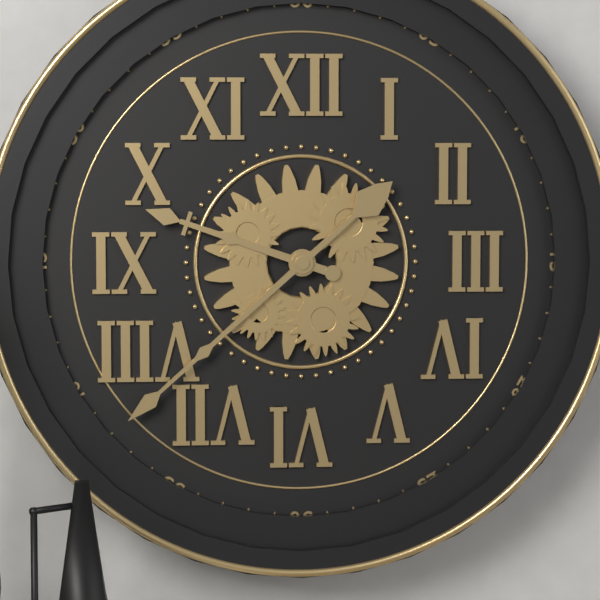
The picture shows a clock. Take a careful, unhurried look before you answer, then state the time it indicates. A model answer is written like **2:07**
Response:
**9:38**
